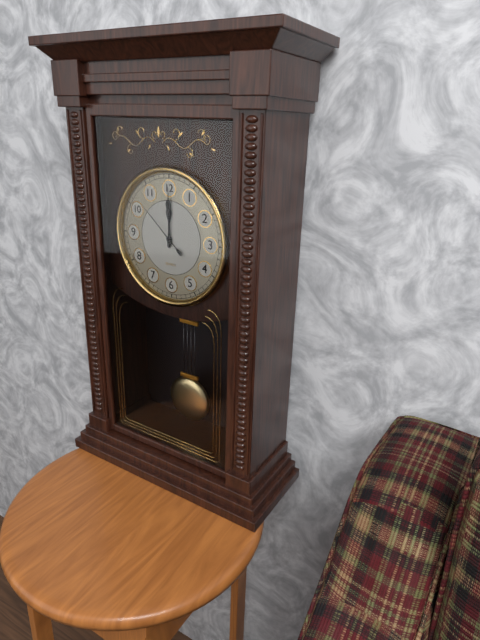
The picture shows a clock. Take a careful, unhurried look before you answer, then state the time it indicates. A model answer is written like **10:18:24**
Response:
**12:00:52**
